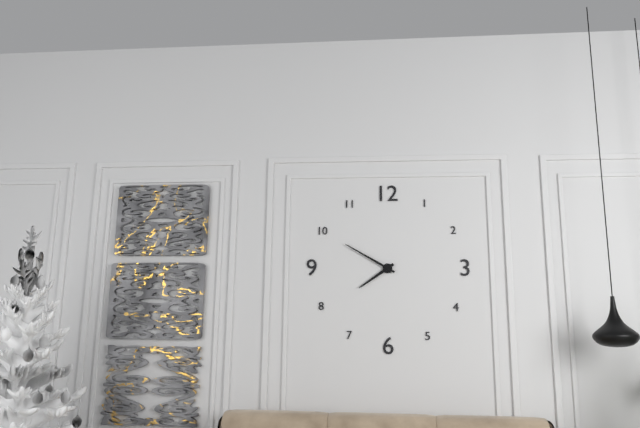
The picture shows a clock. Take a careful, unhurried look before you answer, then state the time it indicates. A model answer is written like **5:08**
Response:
**7:50**
